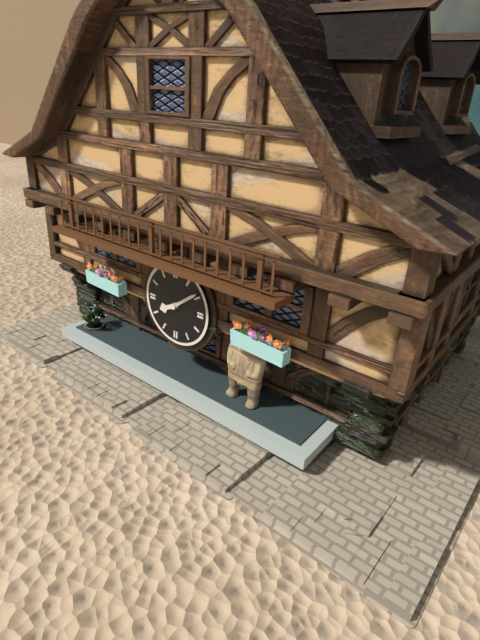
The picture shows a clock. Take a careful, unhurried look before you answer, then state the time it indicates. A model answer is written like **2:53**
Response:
**8:09**
